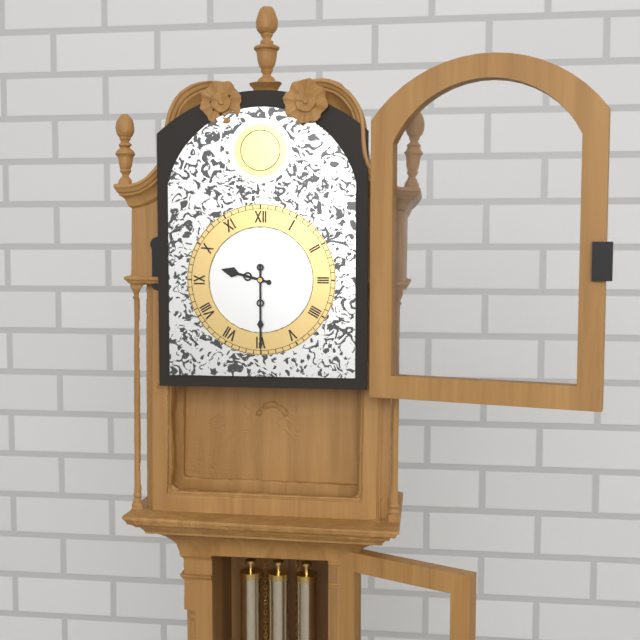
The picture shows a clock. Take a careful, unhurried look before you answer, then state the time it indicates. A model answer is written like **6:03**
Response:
**9:30**
